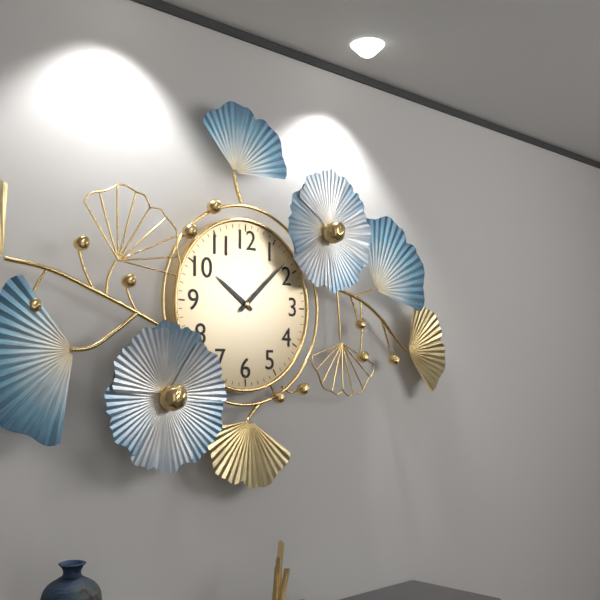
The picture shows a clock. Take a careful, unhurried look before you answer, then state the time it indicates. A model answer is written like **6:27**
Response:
**10:08**
